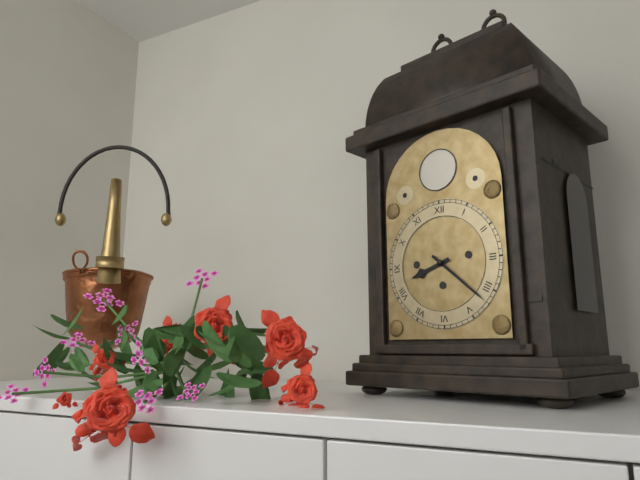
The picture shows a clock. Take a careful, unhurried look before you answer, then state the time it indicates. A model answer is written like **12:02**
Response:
**8:22**
